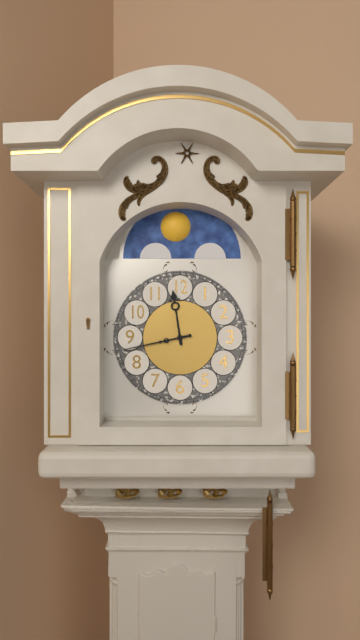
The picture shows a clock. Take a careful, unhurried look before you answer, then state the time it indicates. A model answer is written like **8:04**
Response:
**11:43**
